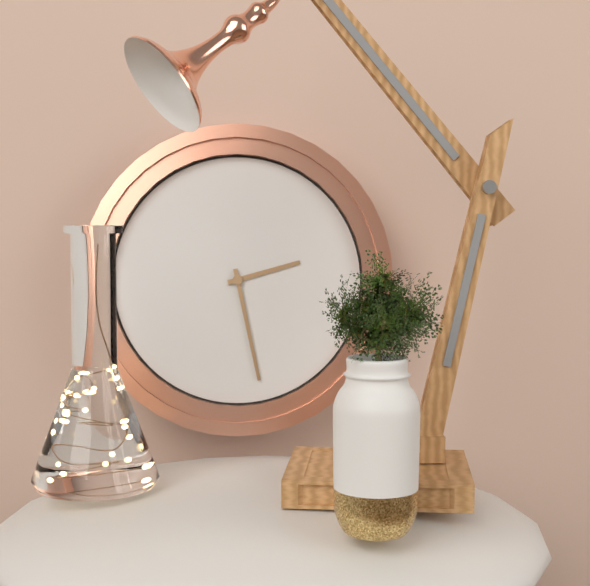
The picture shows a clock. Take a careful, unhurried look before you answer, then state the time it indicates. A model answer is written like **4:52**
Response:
**2:28**
